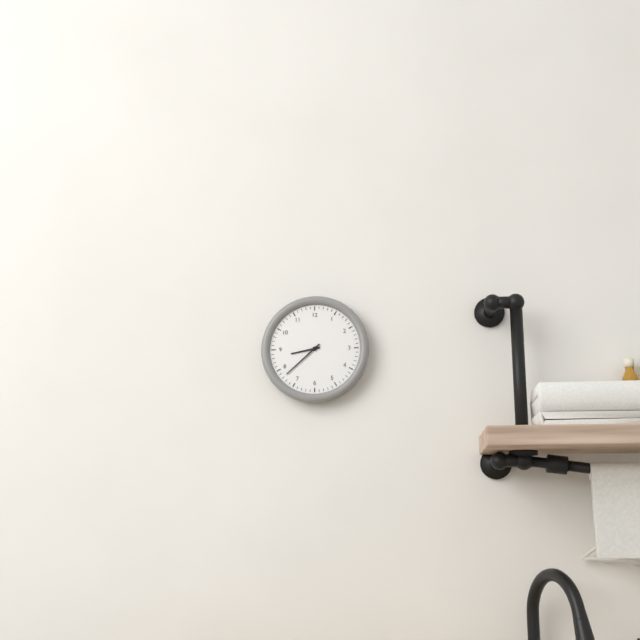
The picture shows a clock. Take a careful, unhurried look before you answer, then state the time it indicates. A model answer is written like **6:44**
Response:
**8:38**
